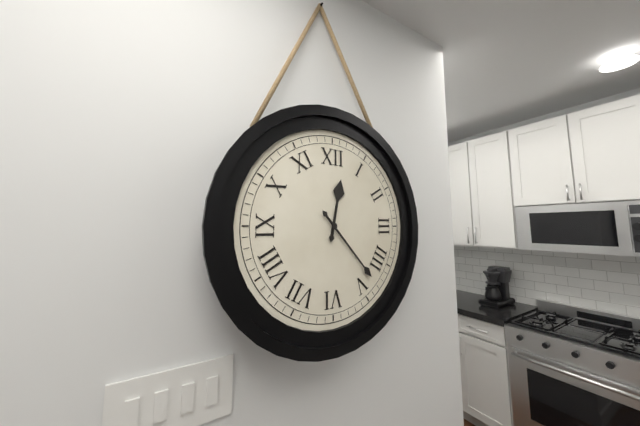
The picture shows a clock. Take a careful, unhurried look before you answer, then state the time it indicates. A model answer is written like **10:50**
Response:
**12:23**
